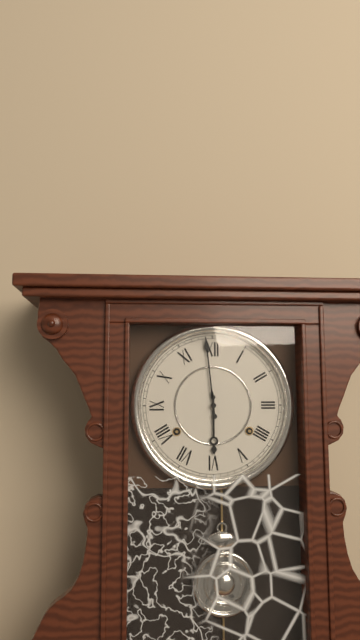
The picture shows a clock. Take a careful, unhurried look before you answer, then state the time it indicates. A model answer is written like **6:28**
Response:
**5:59**
